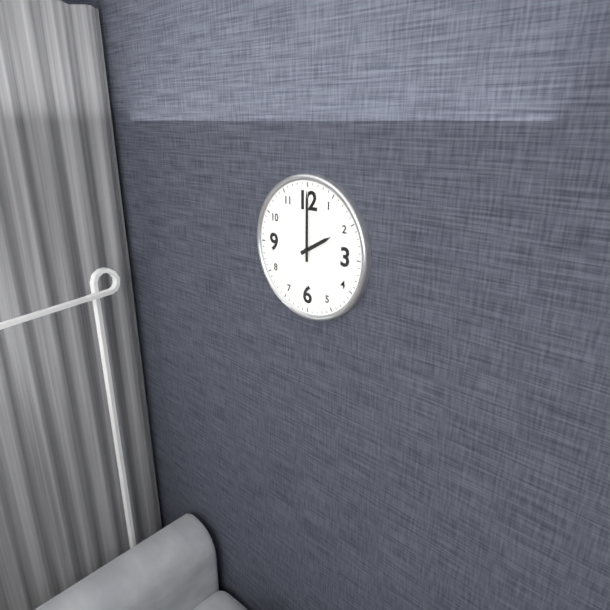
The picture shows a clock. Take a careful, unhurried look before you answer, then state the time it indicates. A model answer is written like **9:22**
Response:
**2:00**
